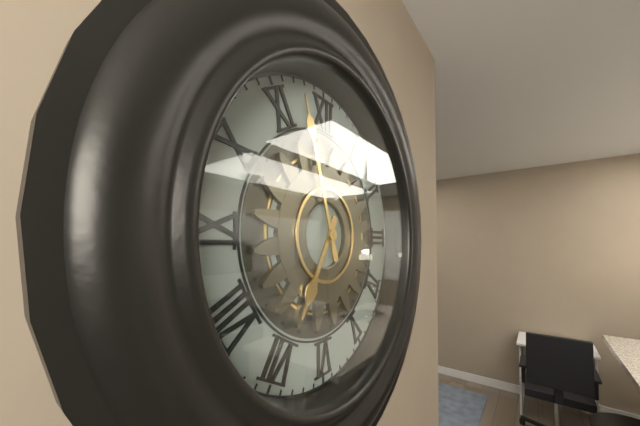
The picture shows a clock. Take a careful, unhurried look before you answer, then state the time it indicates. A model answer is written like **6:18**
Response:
**6:57**
